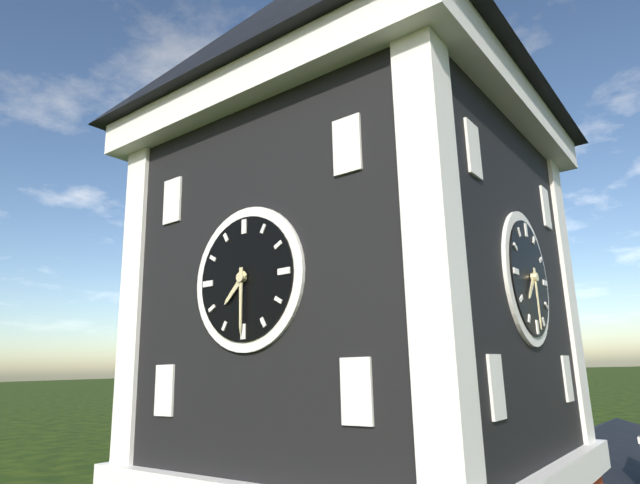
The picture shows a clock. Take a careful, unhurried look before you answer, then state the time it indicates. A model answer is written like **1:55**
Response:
**7:30**
